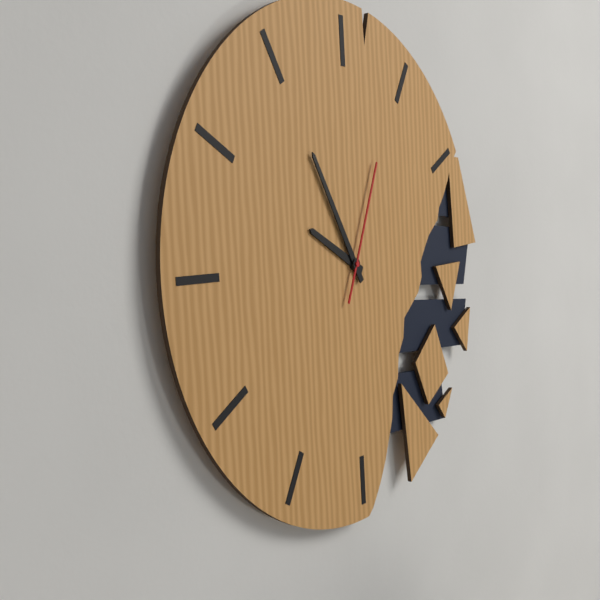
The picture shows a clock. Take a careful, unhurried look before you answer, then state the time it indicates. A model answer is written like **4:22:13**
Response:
**9:55:04**
